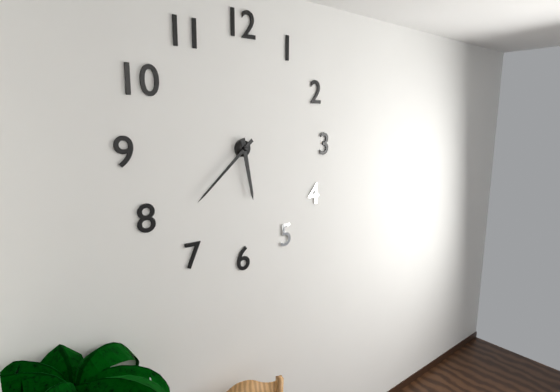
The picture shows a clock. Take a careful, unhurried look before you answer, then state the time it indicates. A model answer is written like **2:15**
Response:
**5:38**
